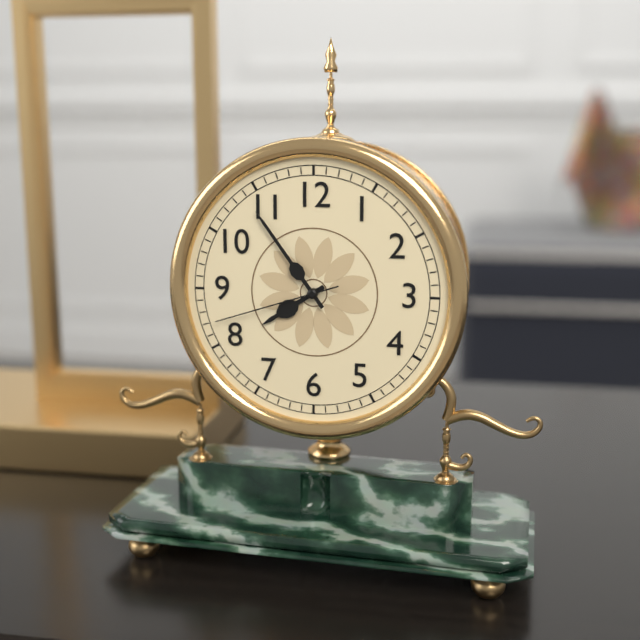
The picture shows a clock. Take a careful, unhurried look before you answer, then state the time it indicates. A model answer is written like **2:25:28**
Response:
**7:54:42**
